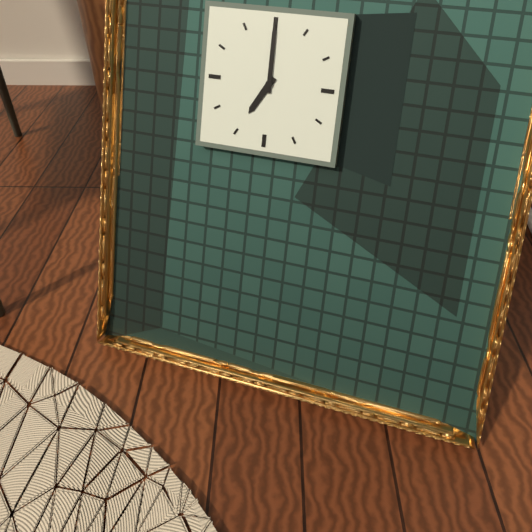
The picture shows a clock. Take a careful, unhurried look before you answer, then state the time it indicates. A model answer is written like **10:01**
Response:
**7:00**
